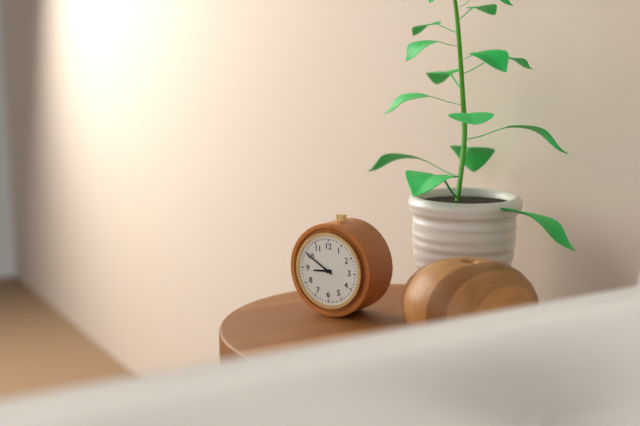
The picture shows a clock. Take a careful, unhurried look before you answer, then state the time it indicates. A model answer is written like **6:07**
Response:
**8:50**
